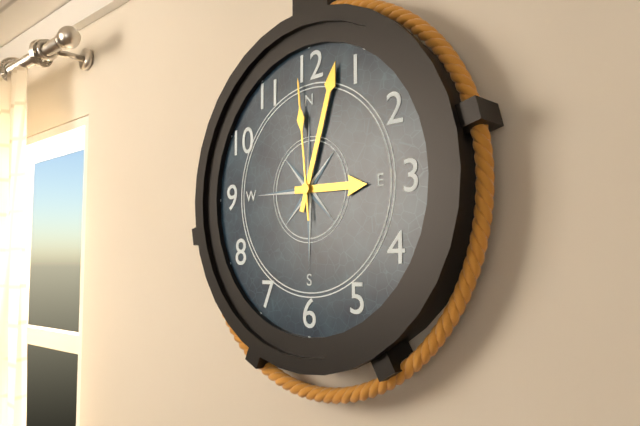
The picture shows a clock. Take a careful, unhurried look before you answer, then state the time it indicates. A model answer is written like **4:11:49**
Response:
**3:03:59**
